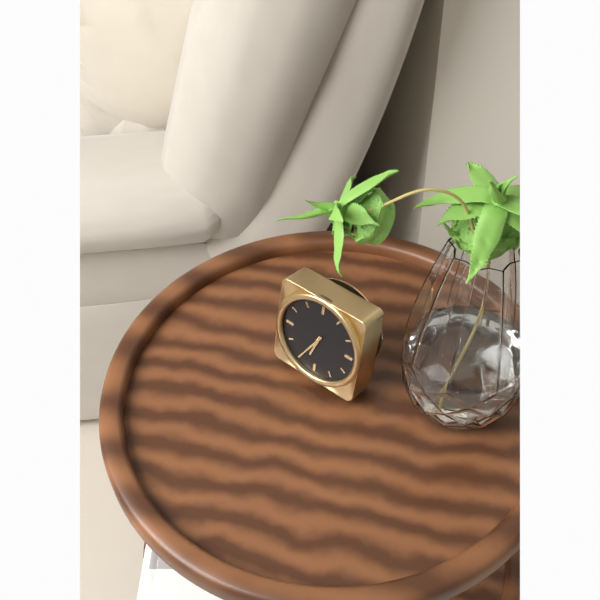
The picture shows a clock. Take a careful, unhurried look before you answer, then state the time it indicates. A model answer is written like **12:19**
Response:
**6:35**
